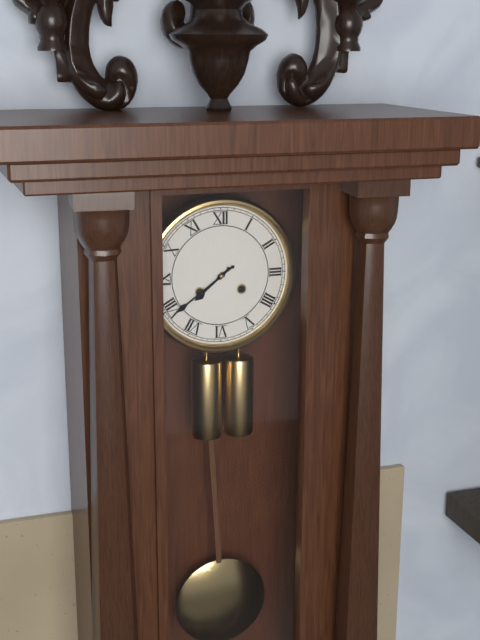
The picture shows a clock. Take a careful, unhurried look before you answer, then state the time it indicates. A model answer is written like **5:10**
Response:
**7:39**
